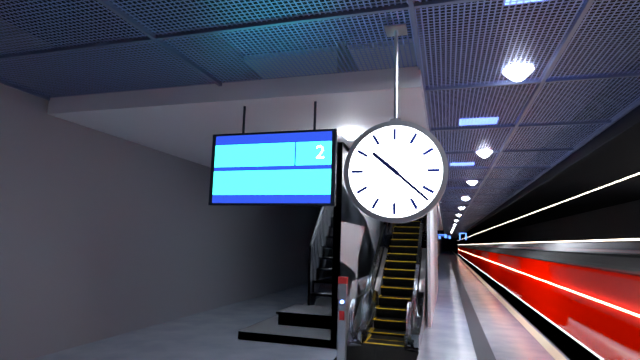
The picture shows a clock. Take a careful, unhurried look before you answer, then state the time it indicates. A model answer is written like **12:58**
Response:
**10:22**
